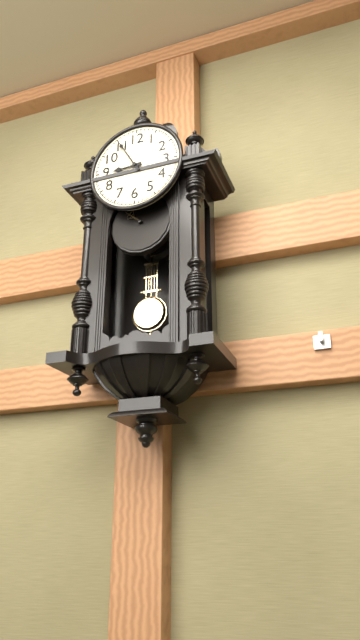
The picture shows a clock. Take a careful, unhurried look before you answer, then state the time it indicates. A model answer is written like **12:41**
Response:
**8:55**
